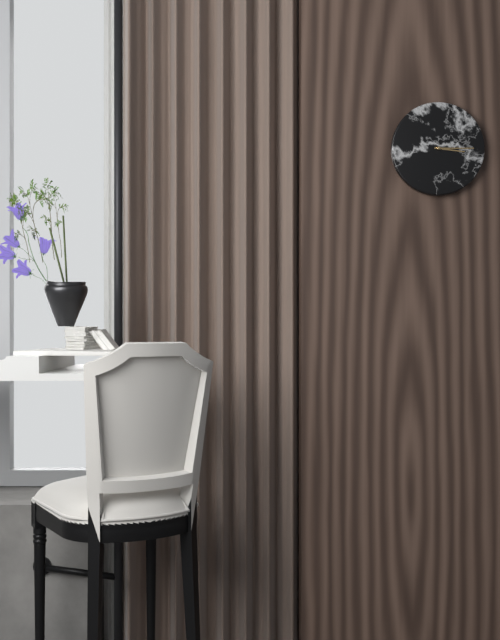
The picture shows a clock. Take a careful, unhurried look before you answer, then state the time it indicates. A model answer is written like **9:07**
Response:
**3:15**
